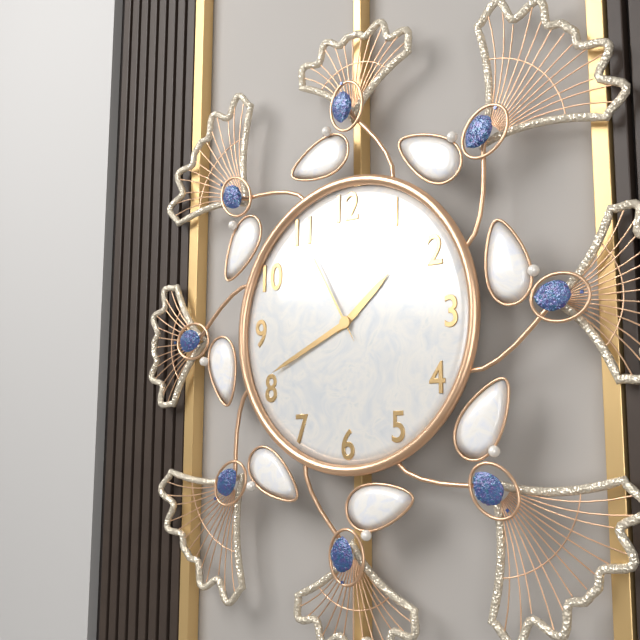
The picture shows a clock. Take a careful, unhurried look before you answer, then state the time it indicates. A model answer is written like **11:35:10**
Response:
**1:41:55**
